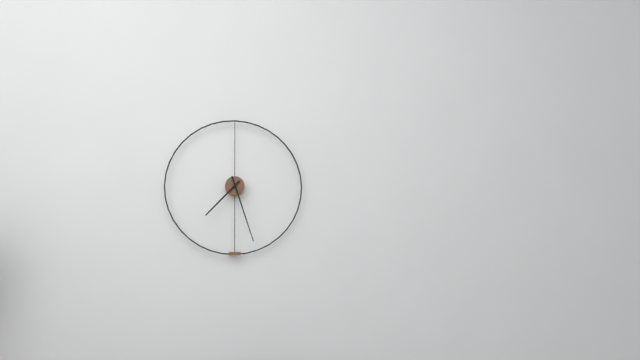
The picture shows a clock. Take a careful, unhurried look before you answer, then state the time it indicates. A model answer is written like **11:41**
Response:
**7:27**
